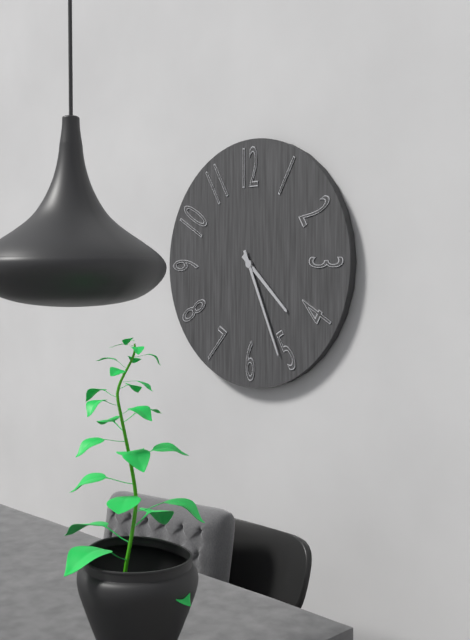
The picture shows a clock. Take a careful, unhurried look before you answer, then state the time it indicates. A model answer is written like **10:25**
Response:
**4:26**
